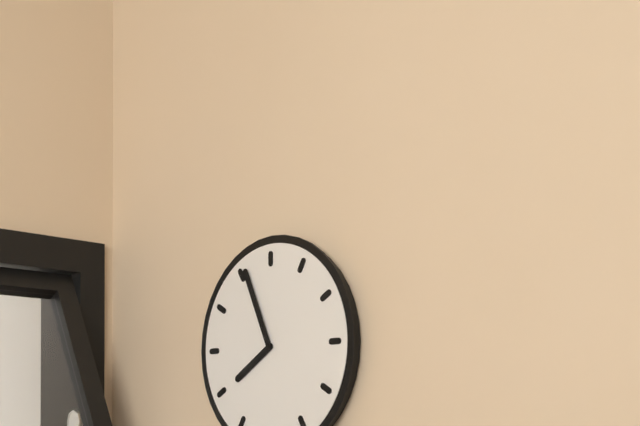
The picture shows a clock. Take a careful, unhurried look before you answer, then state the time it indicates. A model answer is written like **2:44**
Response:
**7:56**
